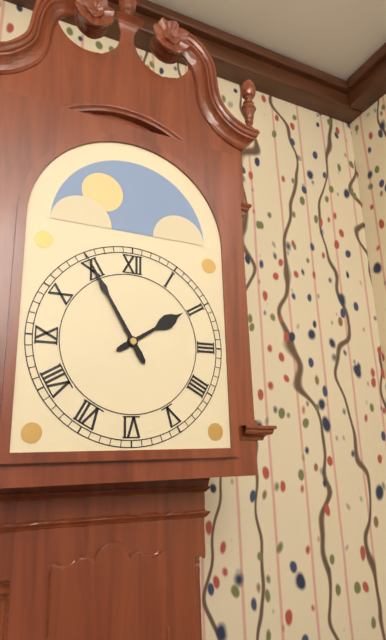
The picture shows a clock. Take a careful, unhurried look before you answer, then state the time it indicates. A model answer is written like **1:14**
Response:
**1:55**
